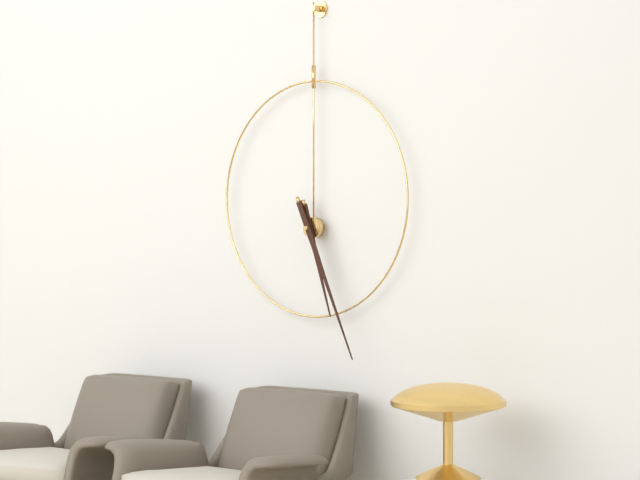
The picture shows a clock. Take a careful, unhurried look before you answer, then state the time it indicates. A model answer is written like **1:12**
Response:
**5:26**
